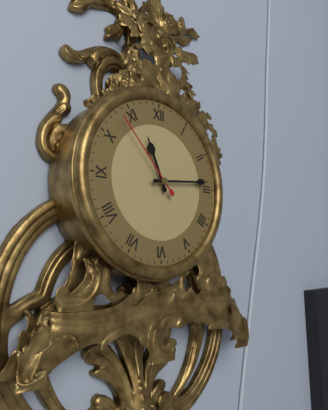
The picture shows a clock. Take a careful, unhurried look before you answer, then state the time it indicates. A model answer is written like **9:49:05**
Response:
**11:14:53**
